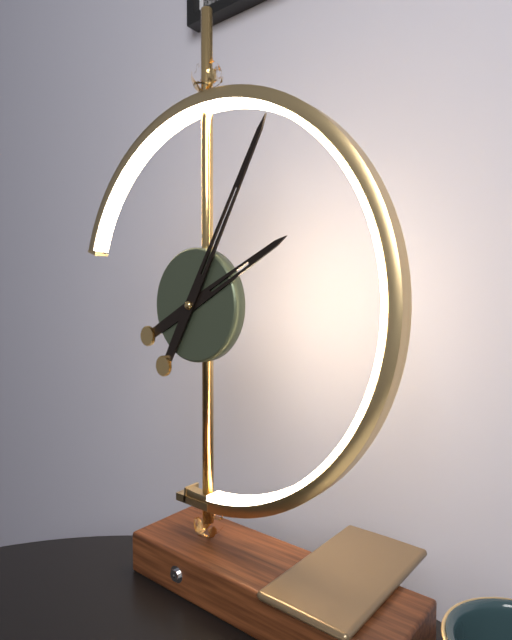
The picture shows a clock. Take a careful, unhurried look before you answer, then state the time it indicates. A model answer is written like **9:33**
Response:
**2:05**
